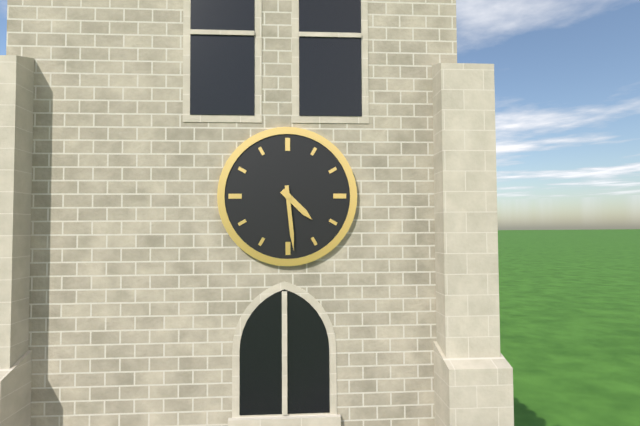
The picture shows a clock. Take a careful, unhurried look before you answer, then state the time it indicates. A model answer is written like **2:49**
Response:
**4:29**
